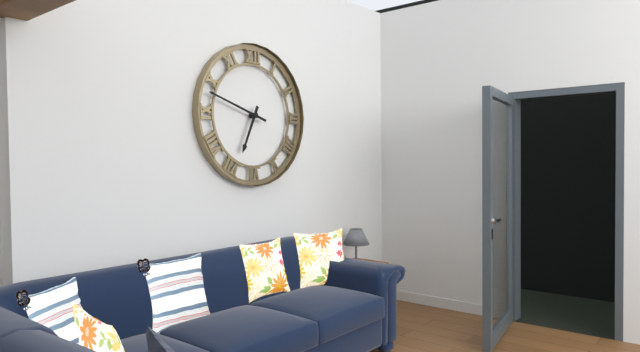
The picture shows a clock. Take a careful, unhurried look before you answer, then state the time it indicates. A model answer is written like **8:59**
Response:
**6:48**
